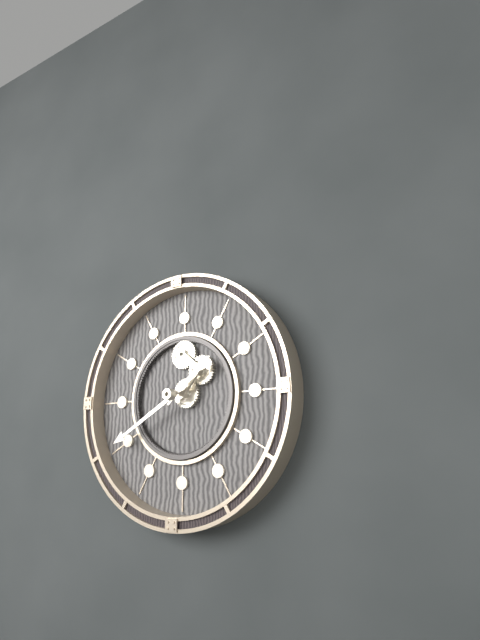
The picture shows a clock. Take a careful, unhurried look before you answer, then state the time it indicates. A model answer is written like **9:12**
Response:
**1:40**
